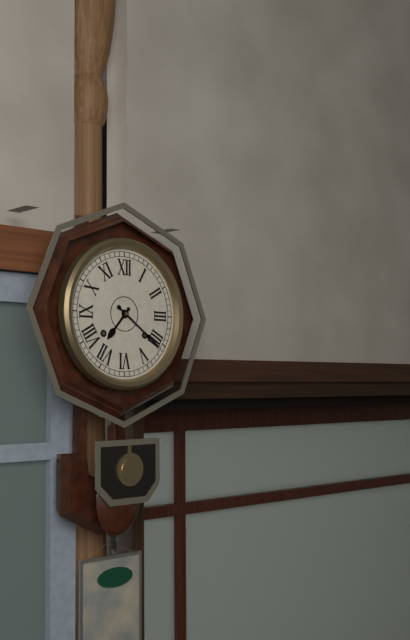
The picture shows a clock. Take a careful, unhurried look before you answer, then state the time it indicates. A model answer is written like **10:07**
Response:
**7:21**
